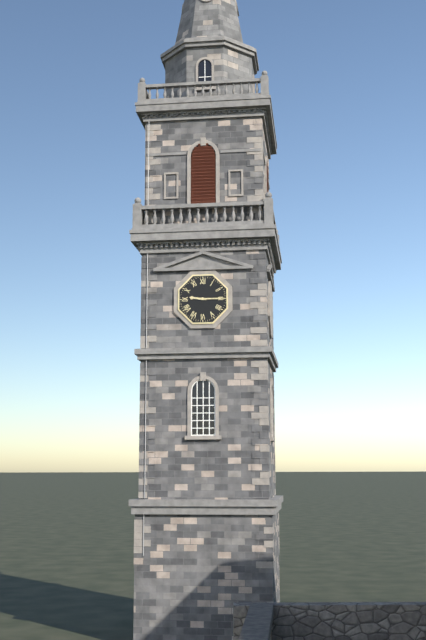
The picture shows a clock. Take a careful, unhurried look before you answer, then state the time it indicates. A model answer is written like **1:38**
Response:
**9:15**
